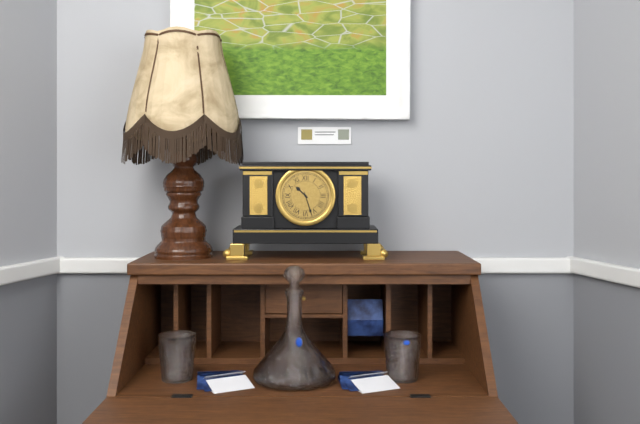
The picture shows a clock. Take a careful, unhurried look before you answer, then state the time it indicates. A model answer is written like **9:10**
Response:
**10:27**
